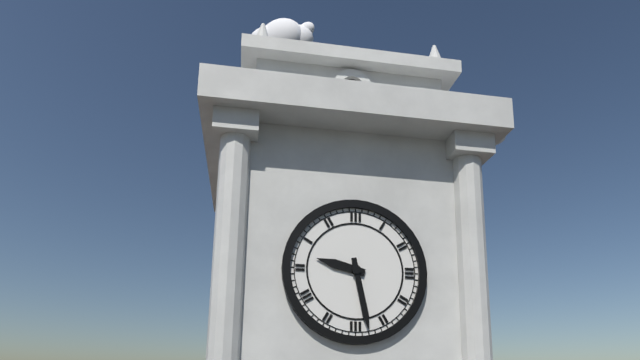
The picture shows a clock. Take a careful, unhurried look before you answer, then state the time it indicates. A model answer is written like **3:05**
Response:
**9:28**
